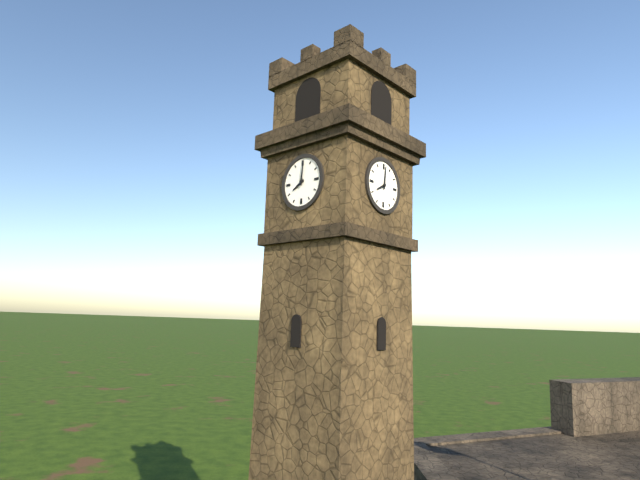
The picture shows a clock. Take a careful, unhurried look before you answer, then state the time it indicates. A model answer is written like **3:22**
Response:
**8:01**
